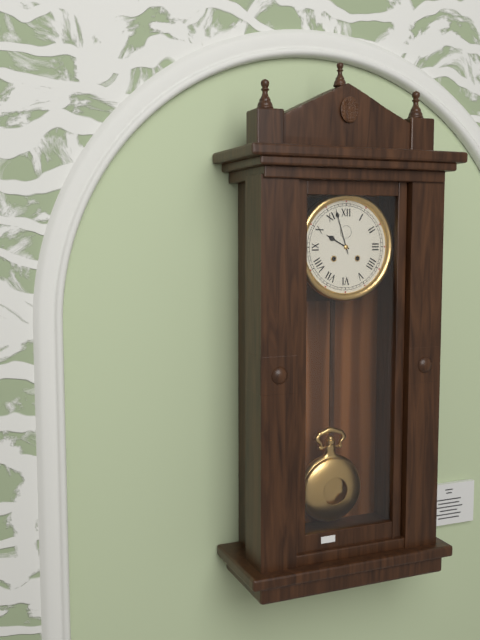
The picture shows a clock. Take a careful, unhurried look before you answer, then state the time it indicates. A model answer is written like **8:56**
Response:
**9:57**
